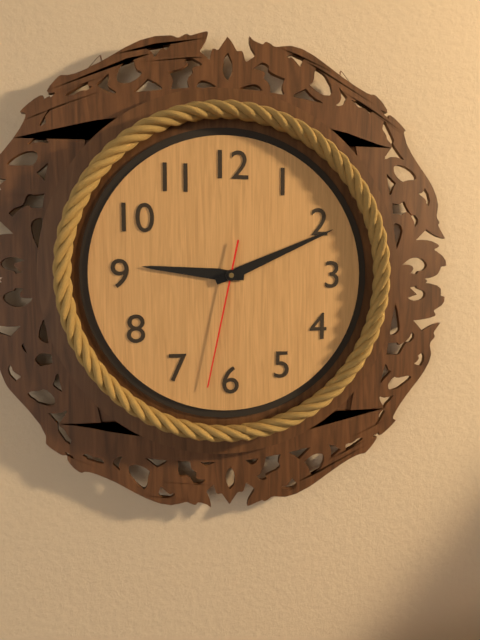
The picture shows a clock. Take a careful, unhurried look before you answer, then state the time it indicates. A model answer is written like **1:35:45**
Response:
**9:11:32**
